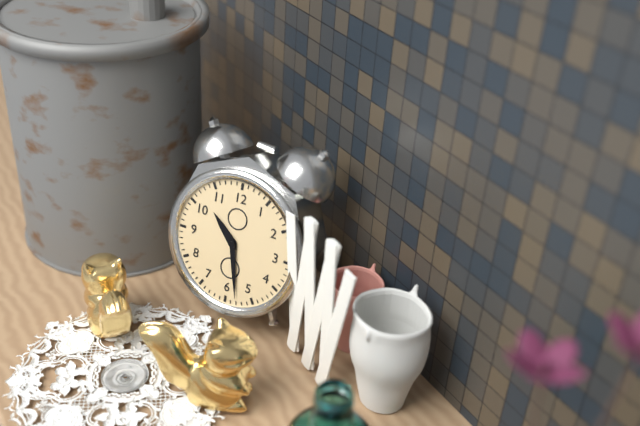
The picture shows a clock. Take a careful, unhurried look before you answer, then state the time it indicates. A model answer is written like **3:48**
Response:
**10:28**
